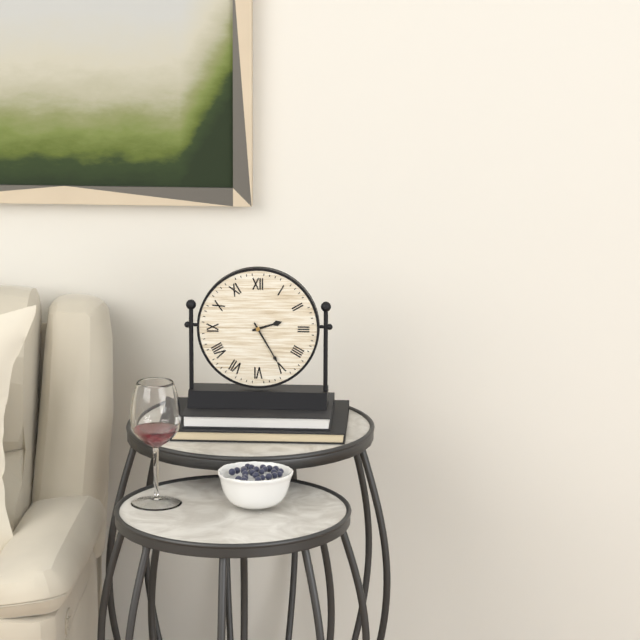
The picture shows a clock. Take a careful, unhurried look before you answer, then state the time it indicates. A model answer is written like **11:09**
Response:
**2:25**
